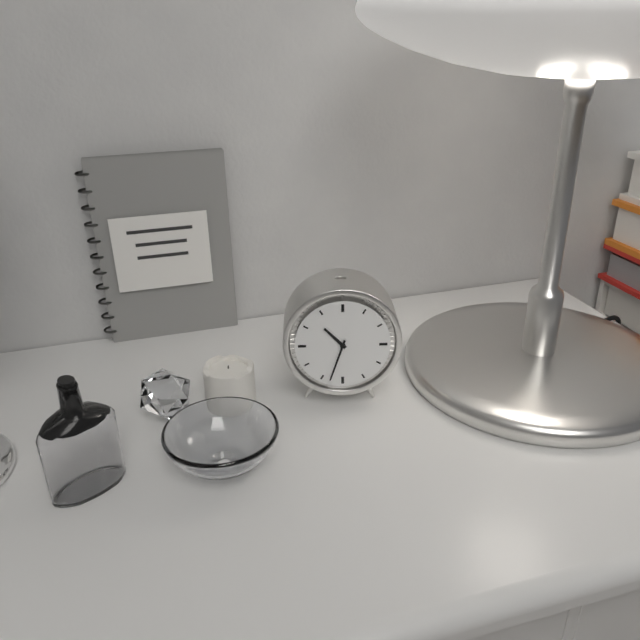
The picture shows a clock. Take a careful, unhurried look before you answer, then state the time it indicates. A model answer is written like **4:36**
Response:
**10:33**
